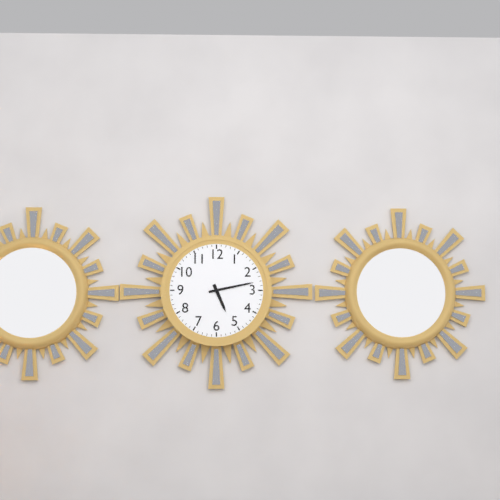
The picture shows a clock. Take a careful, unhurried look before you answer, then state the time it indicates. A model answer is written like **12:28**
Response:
**5:13**
